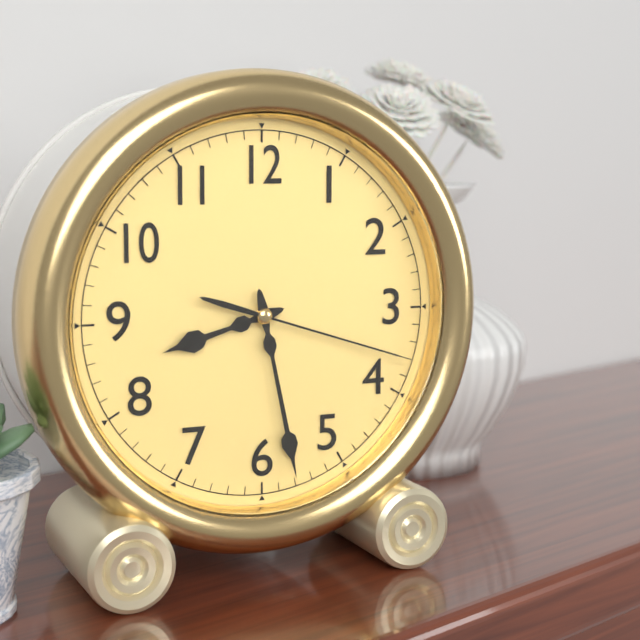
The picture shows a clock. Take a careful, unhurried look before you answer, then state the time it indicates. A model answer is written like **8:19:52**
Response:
**8:28:18**
